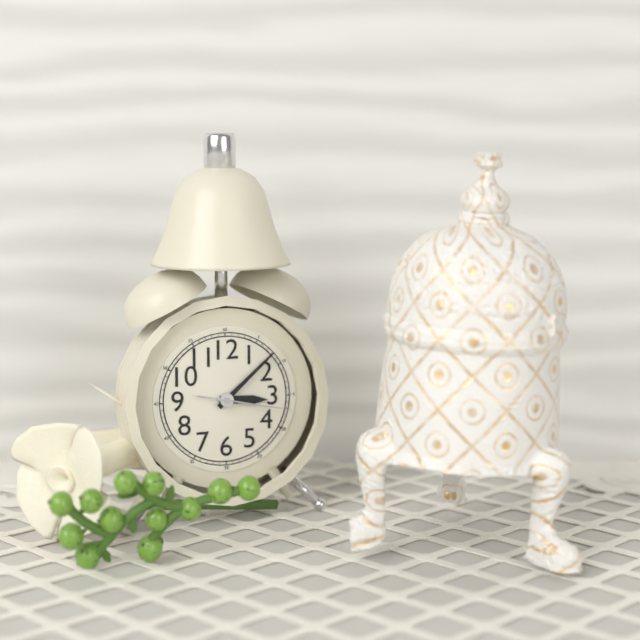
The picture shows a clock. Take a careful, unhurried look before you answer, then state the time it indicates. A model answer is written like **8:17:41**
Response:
**3:08:17**
